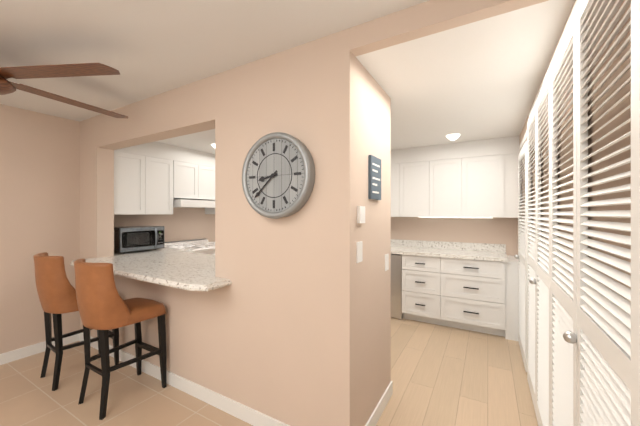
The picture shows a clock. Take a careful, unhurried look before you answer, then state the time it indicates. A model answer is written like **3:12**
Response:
**8:38**
